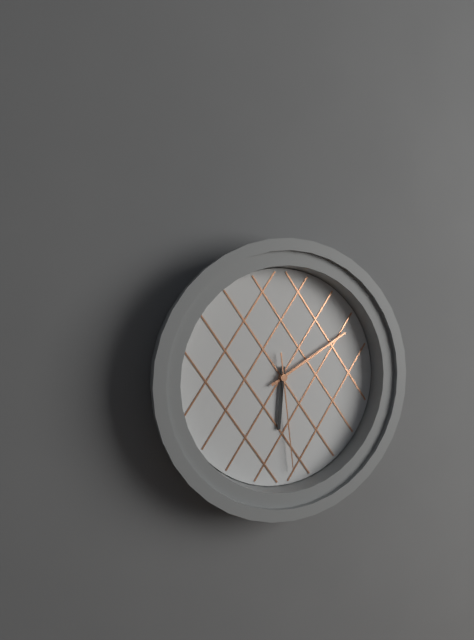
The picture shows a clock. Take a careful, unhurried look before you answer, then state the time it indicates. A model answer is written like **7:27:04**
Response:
**6:10:29**
